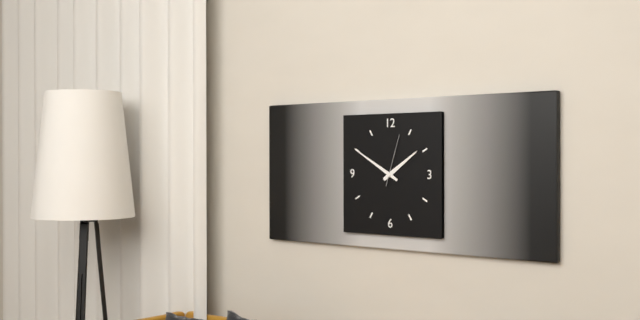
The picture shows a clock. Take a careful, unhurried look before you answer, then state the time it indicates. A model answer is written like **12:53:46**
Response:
**1:50:03**
